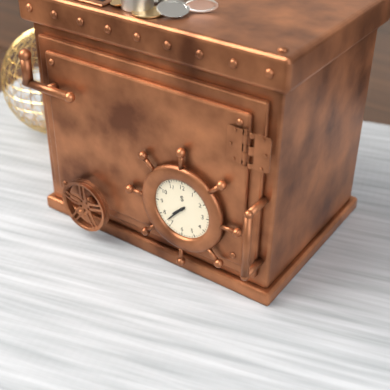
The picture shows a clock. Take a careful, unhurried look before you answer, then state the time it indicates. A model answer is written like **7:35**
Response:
**7:37**
